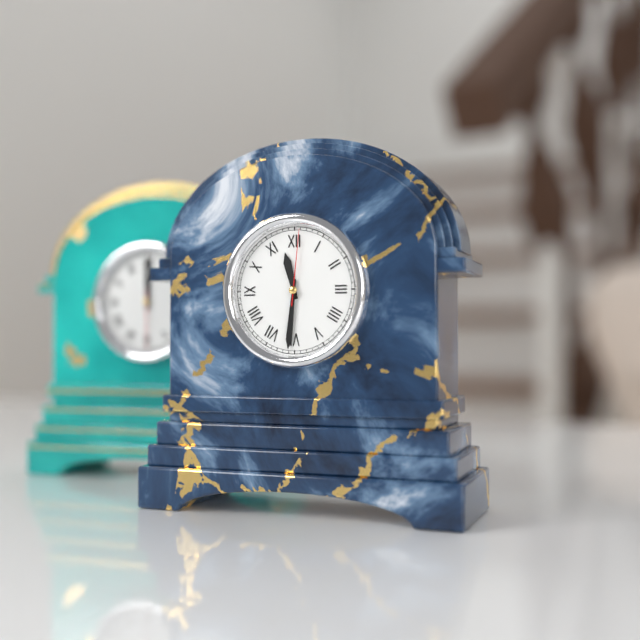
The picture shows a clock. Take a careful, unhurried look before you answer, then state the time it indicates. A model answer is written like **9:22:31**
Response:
**11:31:01**
